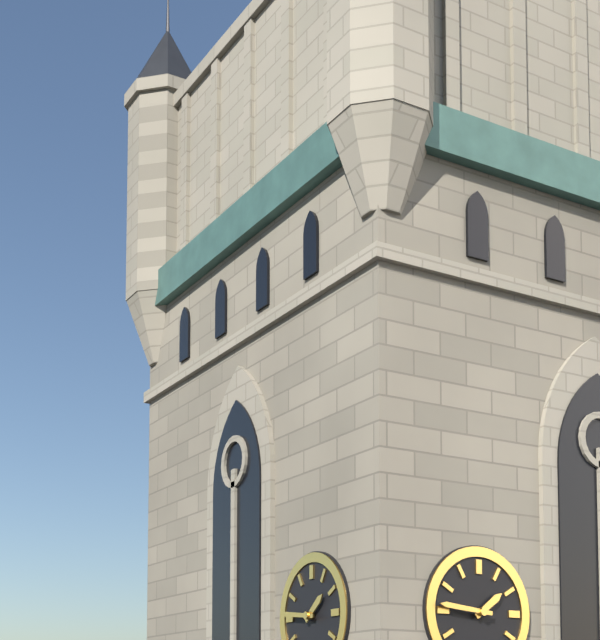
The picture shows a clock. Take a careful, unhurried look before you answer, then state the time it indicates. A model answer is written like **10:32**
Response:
**1:46**
